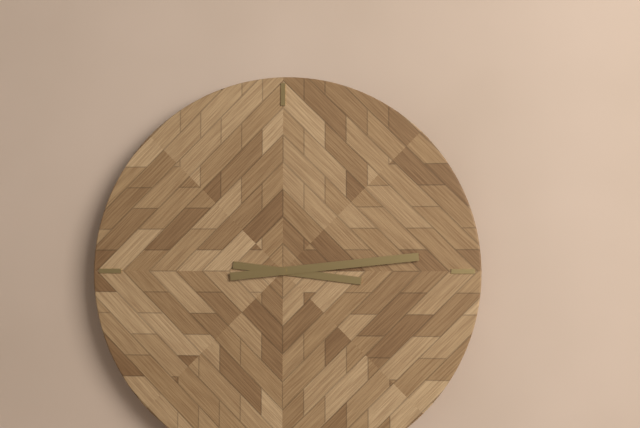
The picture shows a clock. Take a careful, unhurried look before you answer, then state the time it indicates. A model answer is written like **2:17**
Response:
**3:14**
